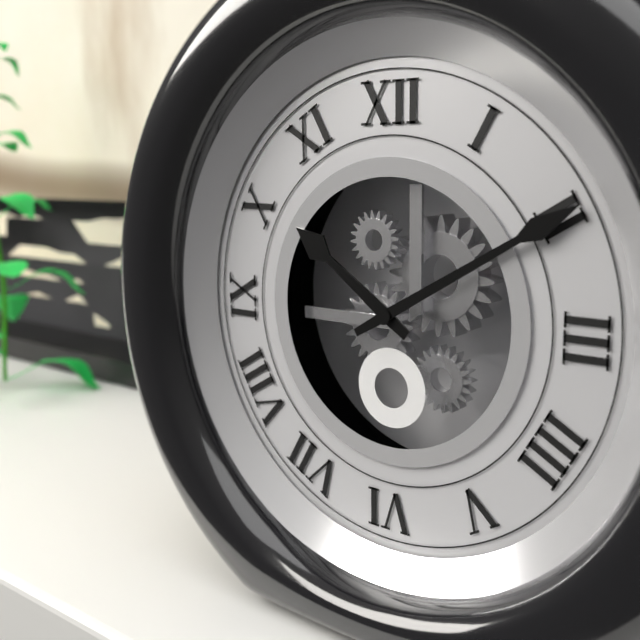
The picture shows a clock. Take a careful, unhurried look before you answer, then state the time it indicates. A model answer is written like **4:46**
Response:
**10:10**
